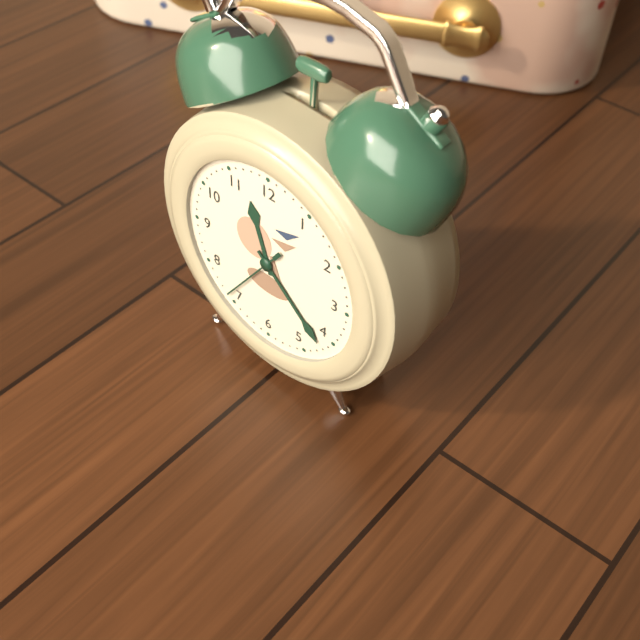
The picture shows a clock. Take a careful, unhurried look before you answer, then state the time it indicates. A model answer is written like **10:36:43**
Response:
**11:22:36**
